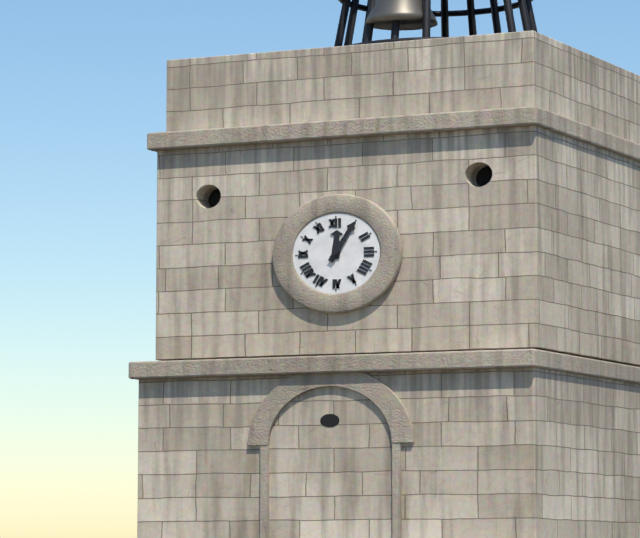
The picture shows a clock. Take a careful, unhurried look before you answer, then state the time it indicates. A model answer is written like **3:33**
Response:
**12:05**
